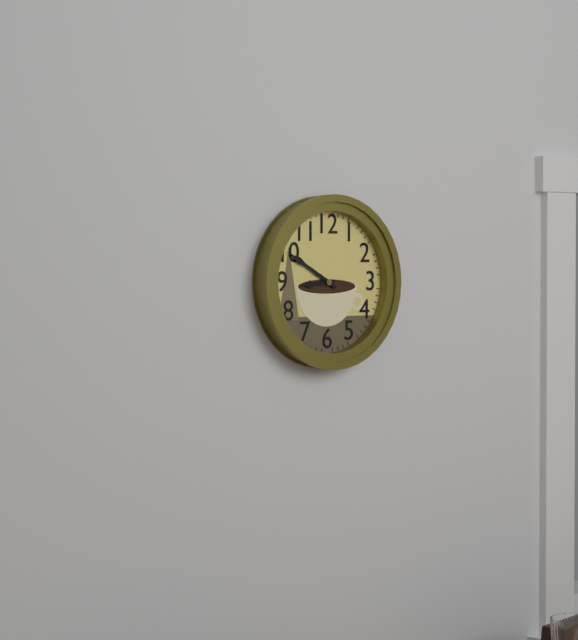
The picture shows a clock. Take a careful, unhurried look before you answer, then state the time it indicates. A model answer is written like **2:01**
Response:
**8:50**
